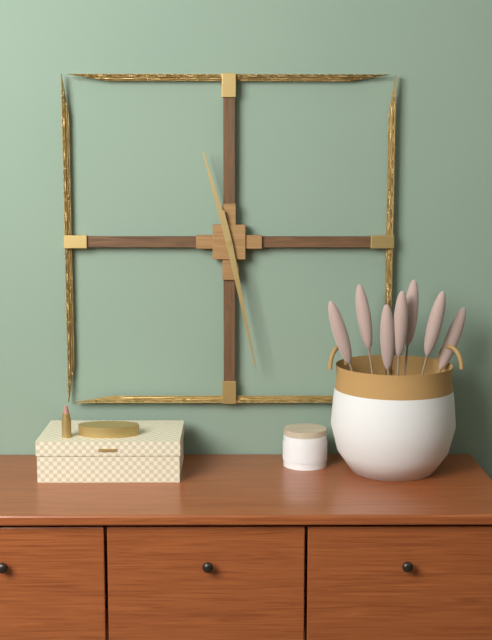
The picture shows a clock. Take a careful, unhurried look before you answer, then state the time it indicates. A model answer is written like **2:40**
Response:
**11:28**
